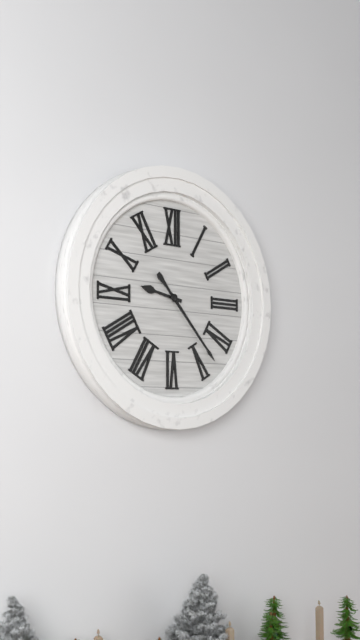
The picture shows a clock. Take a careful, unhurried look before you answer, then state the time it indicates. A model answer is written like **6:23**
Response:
**9:23**
